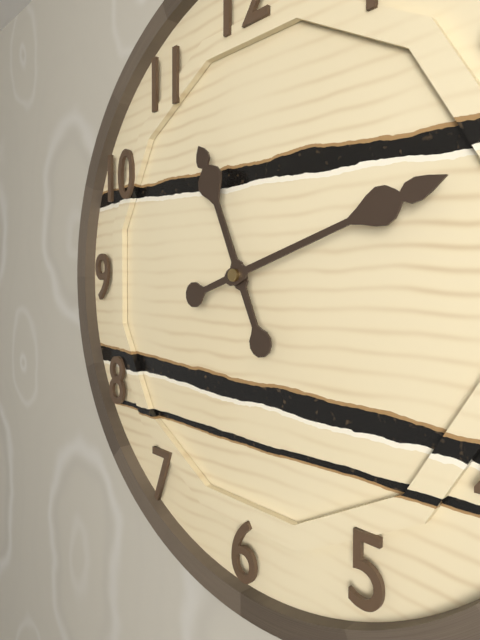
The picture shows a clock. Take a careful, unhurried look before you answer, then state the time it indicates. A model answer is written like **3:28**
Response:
**11:12**
